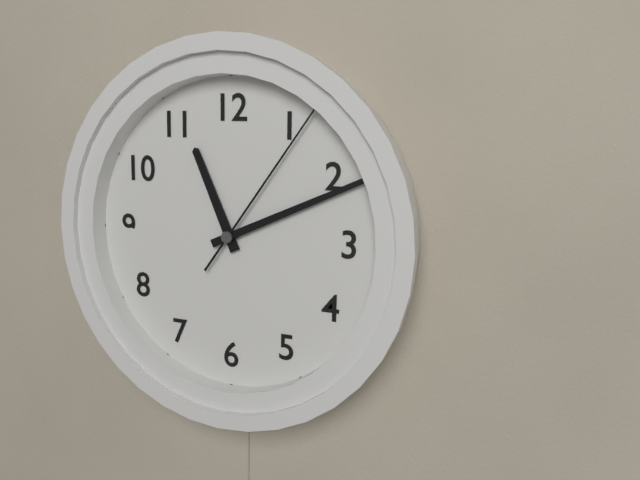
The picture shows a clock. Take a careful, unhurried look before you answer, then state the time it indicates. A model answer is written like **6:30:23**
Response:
**11:11:06**
